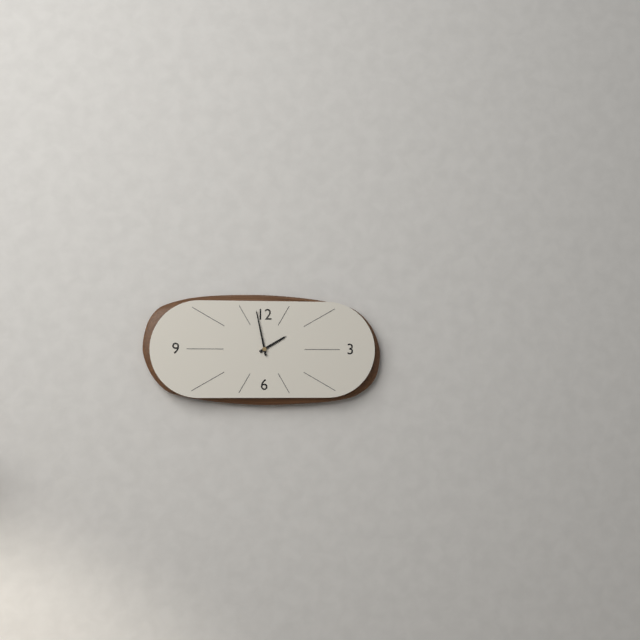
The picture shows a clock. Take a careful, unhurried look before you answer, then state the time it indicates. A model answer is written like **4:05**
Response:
**1:58**
